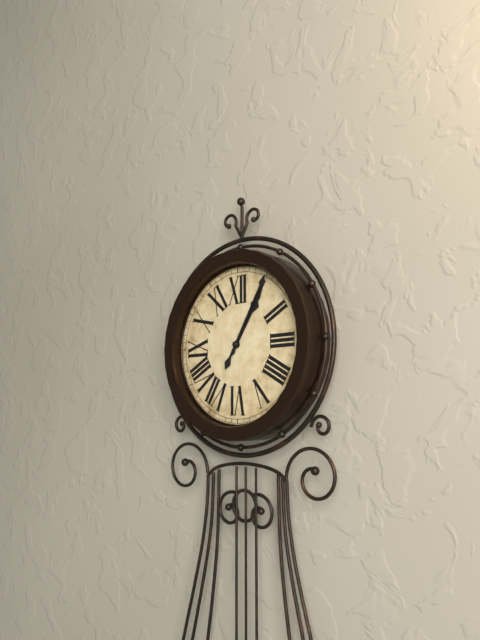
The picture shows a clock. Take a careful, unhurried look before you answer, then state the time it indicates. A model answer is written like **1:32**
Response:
**1:05**
